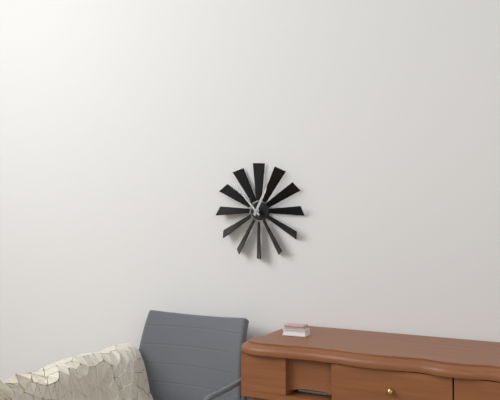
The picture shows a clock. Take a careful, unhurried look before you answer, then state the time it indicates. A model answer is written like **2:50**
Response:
**12:53**
